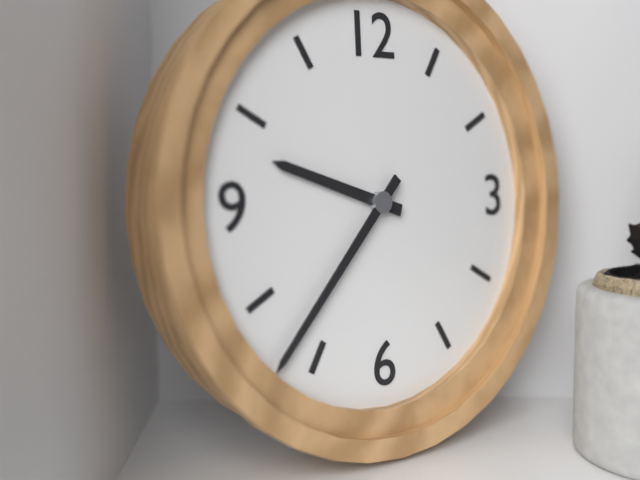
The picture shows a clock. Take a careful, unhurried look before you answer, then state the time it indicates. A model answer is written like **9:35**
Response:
**9:37**
